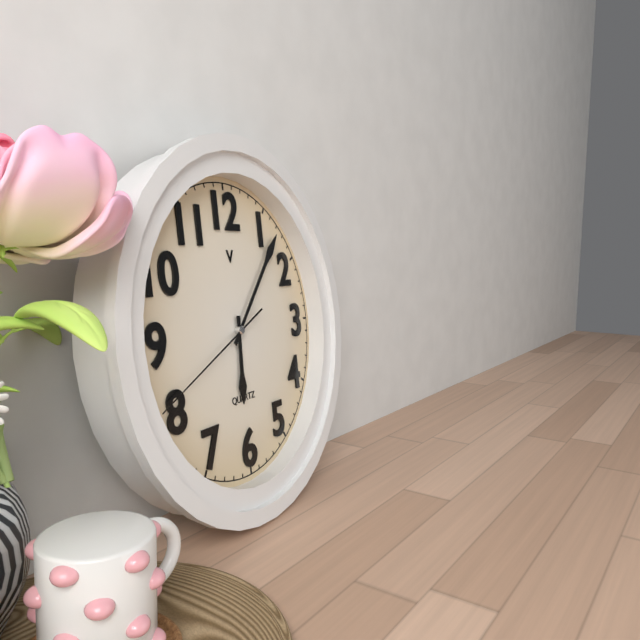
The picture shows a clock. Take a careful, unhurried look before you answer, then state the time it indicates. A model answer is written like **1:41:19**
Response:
**6:07:41**
